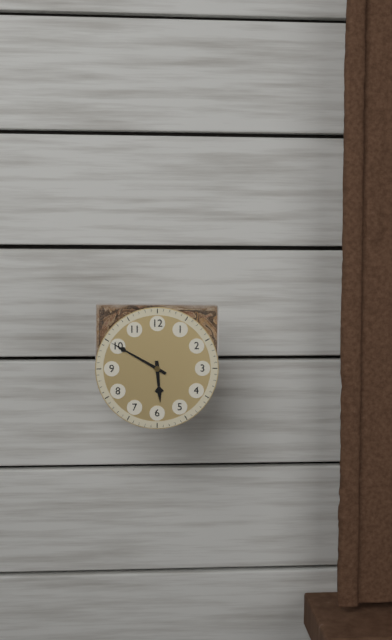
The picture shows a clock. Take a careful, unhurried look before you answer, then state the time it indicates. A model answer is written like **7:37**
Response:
**5:50**
